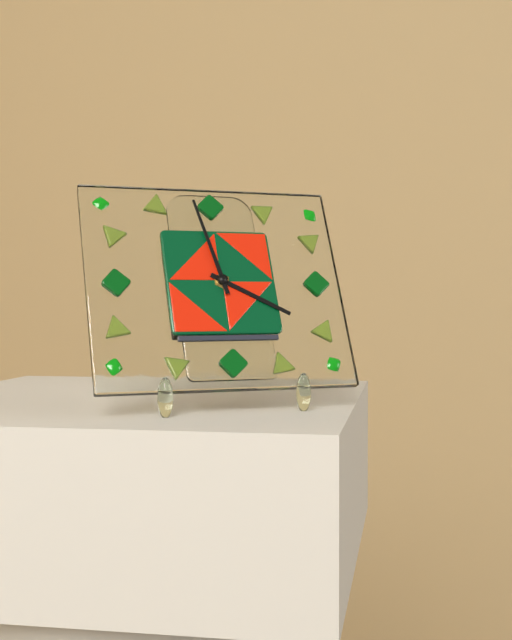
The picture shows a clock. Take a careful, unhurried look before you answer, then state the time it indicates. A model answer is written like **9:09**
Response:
**3:58**
